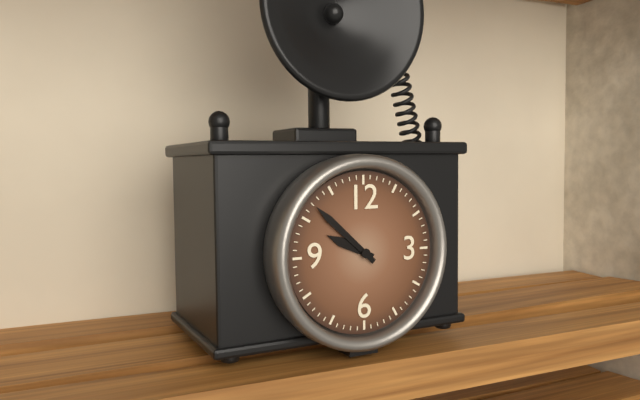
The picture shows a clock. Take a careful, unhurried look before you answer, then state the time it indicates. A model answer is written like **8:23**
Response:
**9:52**
